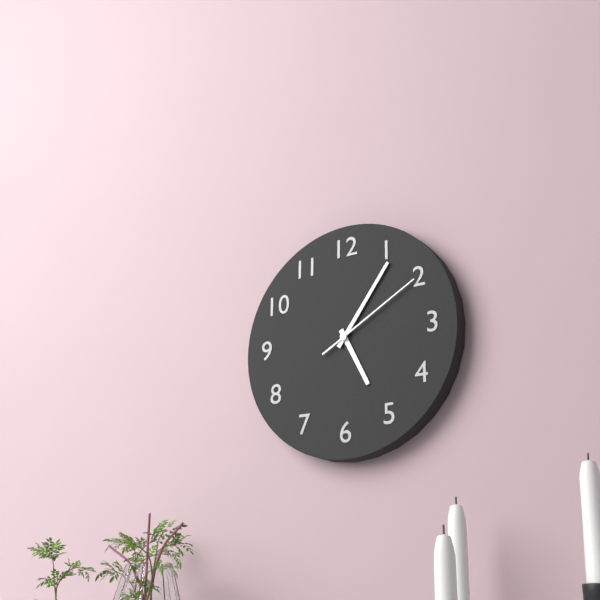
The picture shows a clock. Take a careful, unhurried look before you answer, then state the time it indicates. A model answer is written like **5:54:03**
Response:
**5:06:10**
